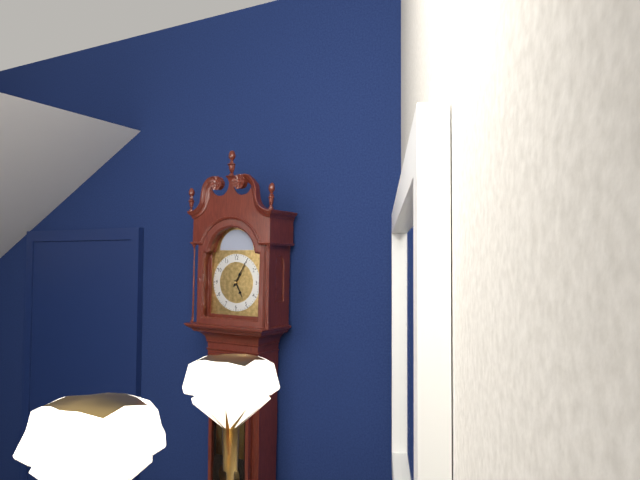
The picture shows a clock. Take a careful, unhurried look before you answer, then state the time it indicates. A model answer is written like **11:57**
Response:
**5:05**
